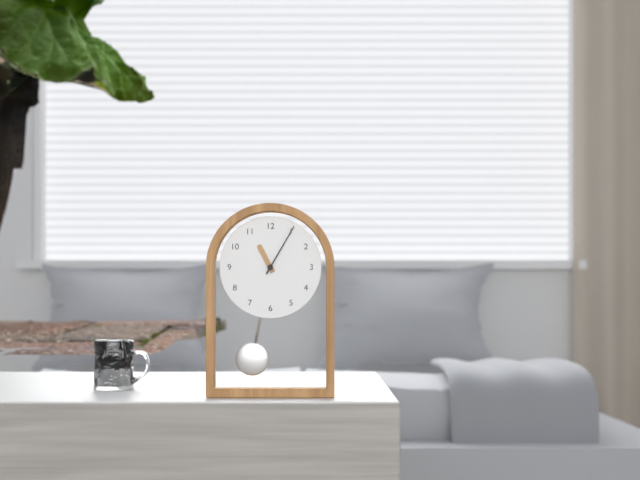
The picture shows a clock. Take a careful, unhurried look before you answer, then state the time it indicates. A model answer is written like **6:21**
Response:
**11:05**
